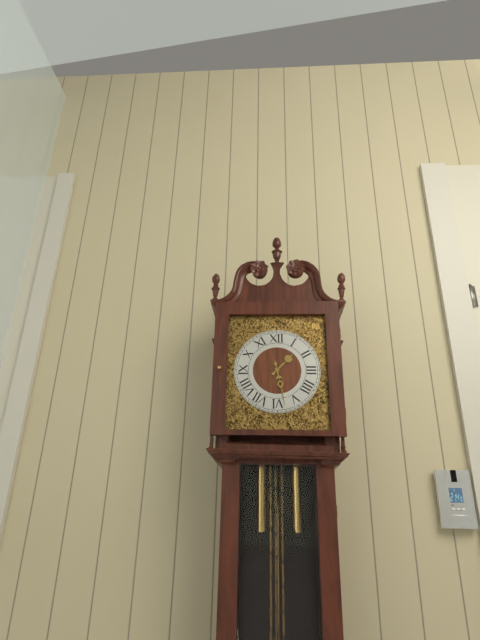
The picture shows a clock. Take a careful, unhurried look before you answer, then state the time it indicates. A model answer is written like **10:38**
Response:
**1:28**
